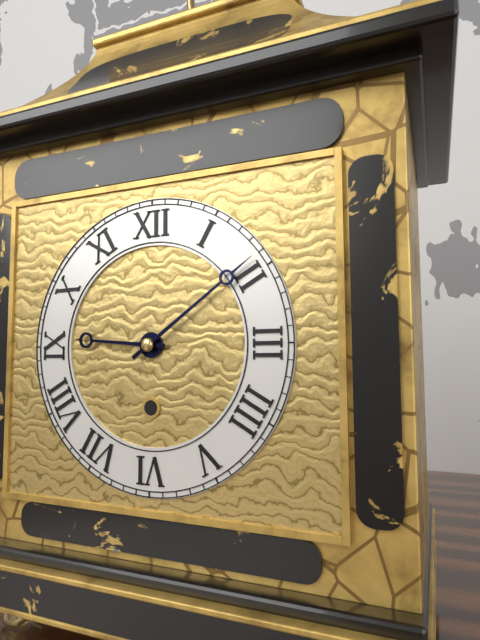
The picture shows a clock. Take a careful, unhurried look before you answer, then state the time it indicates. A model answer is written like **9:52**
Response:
**9:09**
